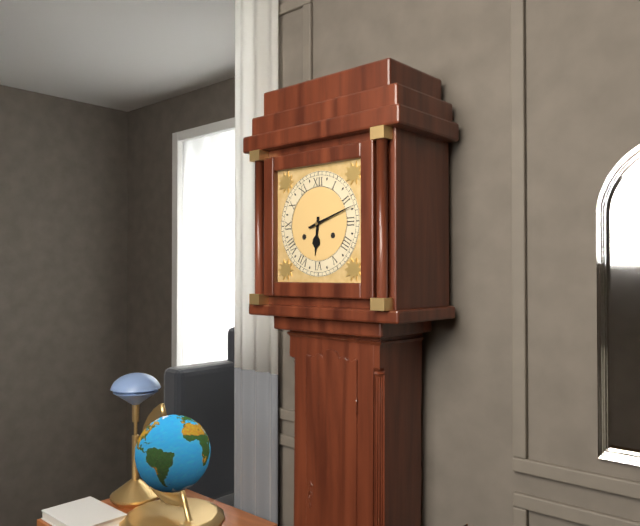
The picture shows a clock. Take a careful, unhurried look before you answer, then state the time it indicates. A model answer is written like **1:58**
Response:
**6:12**
